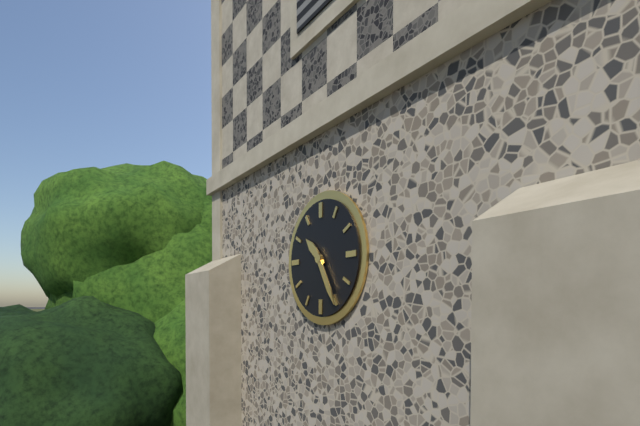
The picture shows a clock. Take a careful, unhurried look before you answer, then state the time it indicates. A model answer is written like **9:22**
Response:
**10:25**
